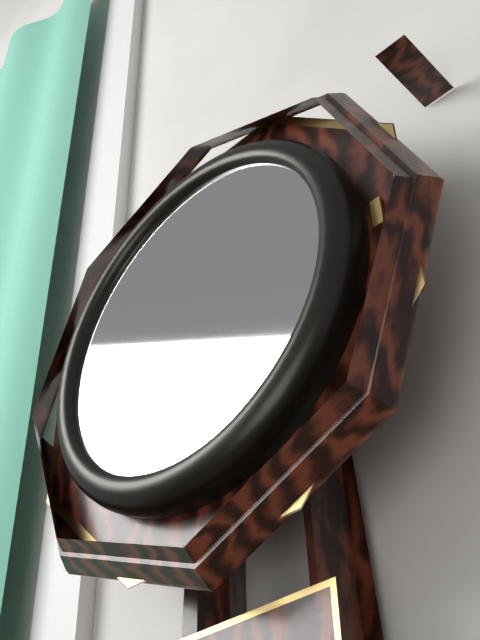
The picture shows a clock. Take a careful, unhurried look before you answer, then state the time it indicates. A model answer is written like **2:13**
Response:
**9:03**
